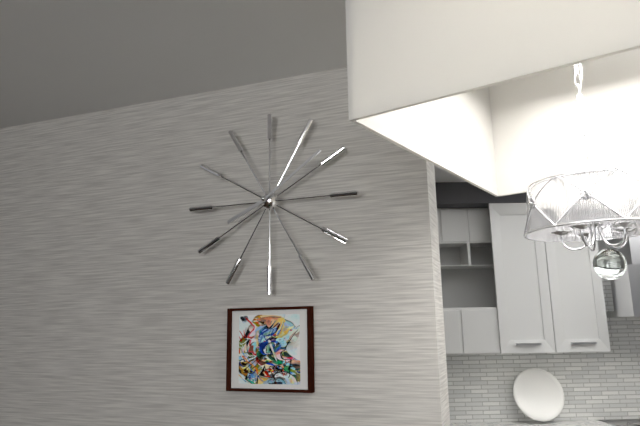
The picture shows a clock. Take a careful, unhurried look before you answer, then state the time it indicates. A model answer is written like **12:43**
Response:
**8:09**
